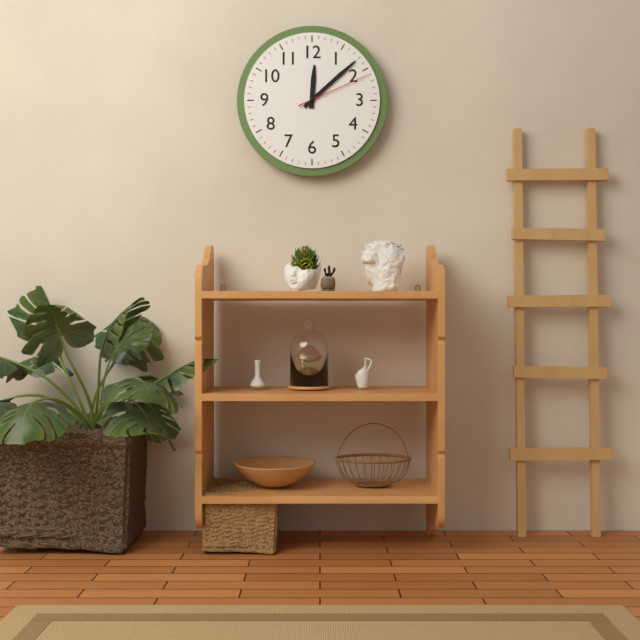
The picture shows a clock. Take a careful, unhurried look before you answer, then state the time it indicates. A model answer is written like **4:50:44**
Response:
**12:08:11**
